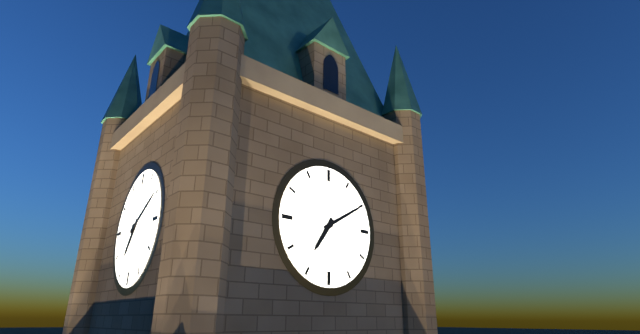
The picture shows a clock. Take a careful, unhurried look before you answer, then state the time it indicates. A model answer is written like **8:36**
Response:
**7:10**
